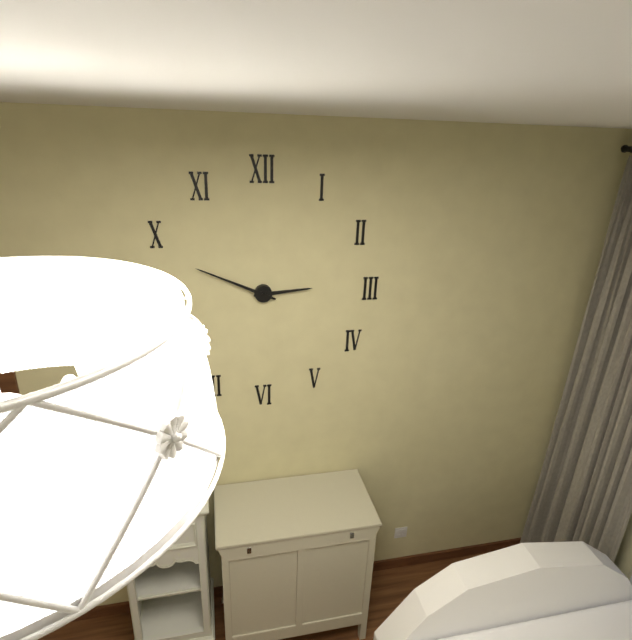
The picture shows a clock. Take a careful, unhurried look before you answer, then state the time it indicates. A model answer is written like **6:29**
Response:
**2:49**
